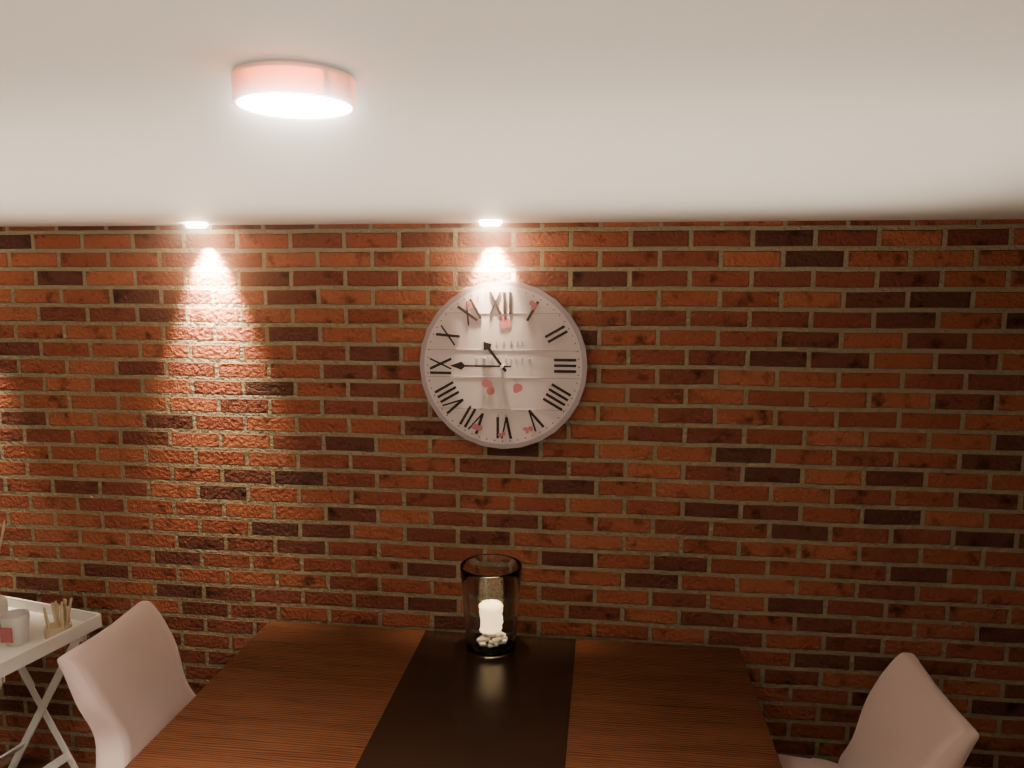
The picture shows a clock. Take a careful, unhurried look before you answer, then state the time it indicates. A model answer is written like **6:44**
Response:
**10:45**
